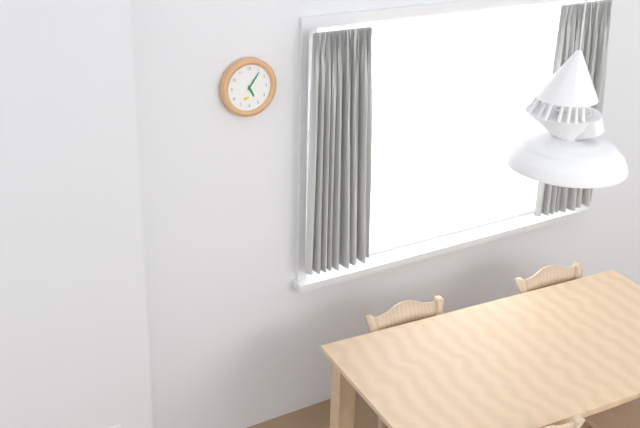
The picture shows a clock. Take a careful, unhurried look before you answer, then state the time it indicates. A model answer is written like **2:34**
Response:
**5:06**
